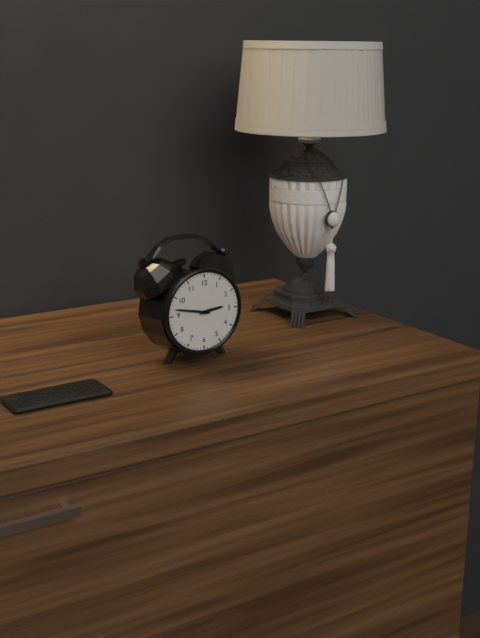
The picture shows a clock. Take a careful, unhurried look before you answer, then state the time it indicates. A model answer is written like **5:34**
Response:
**2:47**
